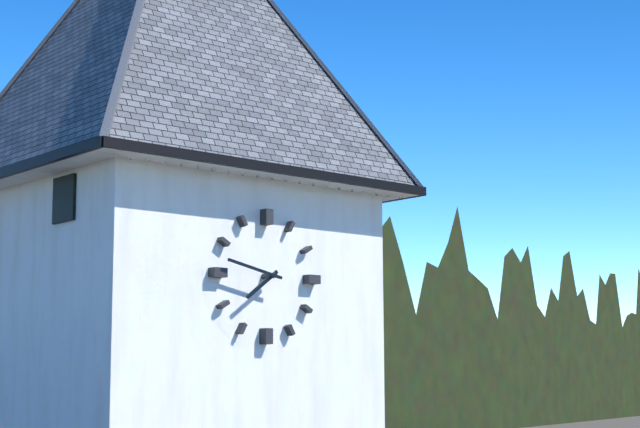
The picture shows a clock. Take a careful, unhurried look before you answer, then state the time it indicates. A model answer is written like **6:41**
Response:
**7:47**
